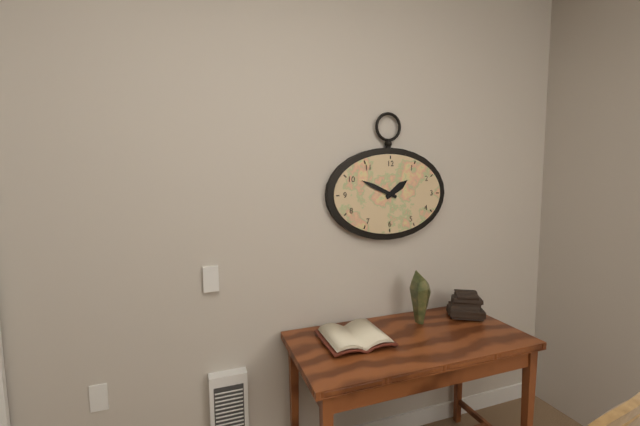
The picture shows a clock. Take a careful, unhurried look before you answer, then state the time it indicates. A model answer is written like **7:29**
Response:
**1:49**
